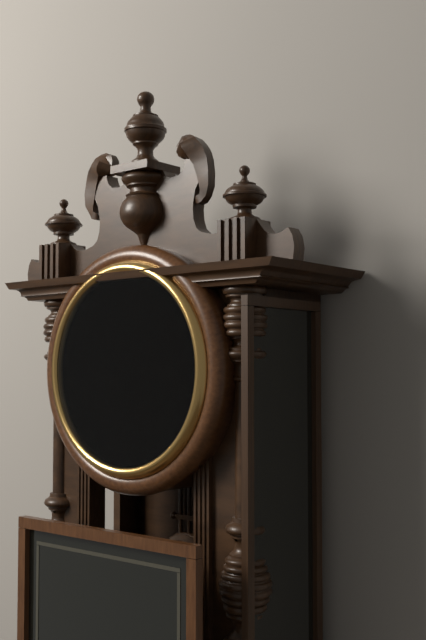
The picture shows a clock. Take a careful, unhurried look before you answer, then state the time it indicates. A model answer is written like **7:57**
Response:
**1:00**
